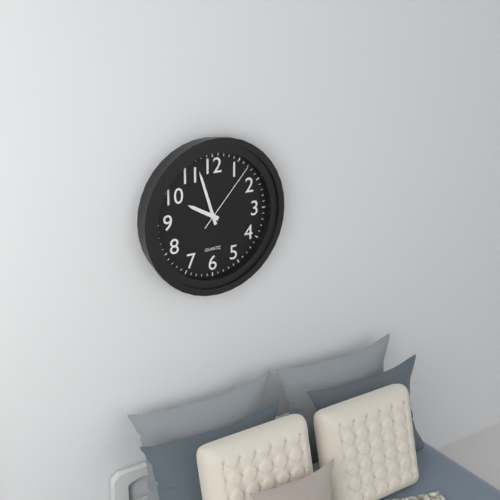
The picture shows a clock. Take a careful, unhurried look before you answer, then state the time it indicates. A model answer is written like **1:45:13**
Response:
**9:57:07**
